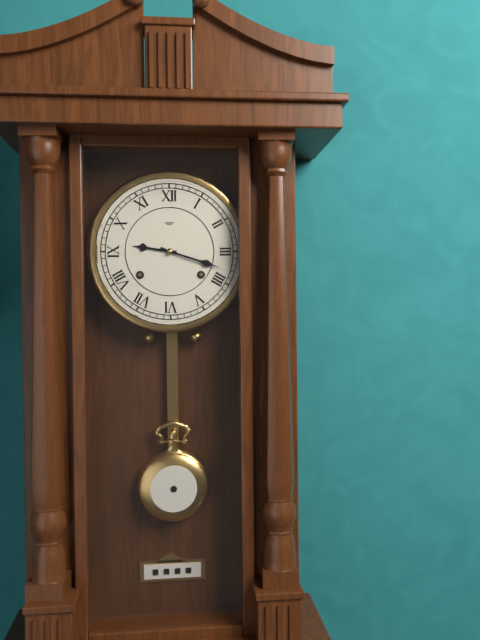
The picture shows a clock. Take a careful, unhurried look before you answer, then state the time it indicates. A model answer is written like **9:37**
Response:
**9:18**
